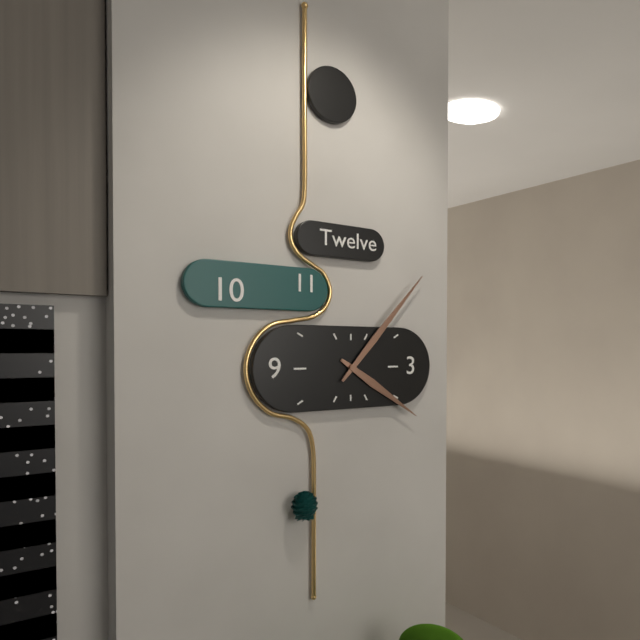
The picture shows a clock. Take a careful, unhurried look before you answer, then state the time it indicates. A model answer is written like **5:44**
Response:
**4:07**
